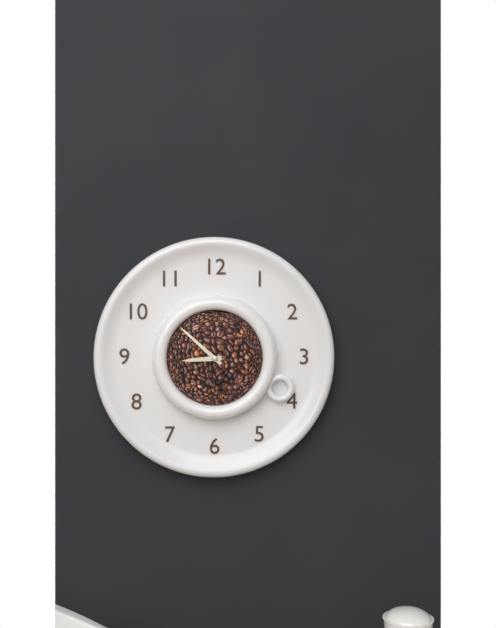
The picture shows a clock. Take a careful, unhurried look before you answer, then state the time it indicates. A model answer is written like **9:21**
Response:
**8:52**
